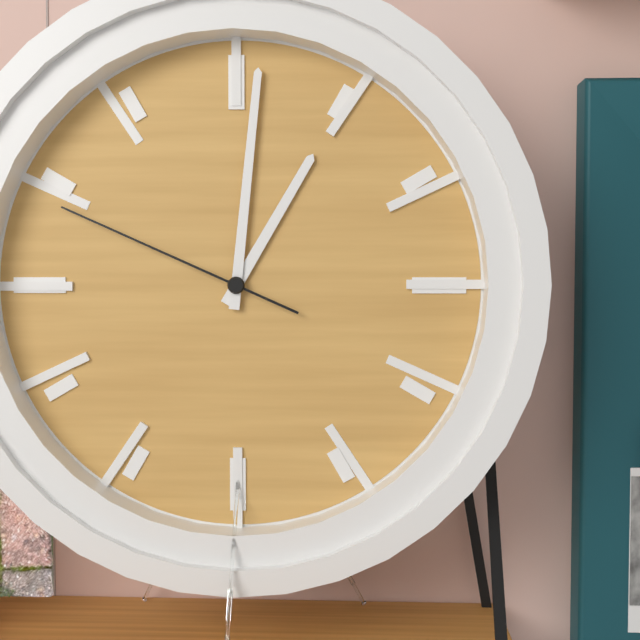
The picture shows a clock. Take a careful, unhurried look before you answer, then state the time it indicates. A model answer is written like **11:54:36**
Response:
**1:01:49**
